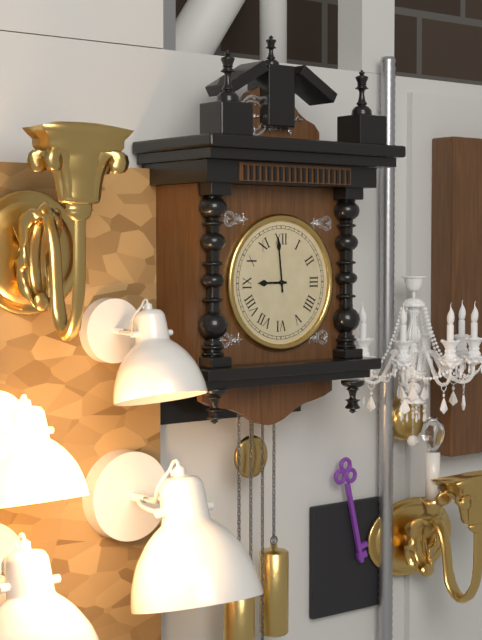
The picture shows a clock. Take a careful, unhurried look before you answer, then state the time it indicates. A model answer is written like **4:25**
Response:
**8:59**
